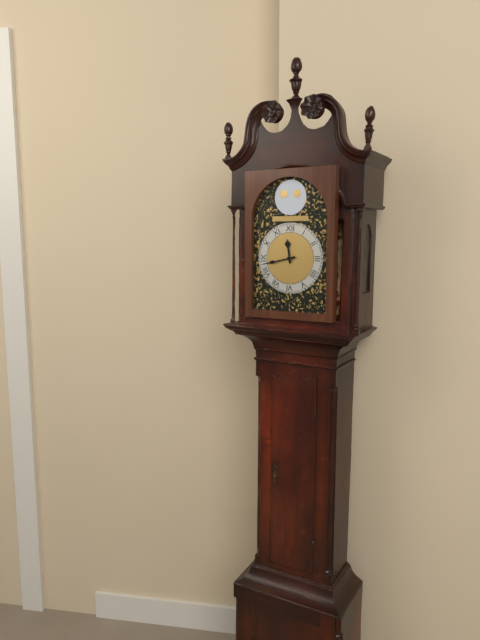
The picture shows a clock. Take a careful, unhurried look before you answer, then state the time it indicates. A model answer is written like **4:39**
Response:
**11:43**
